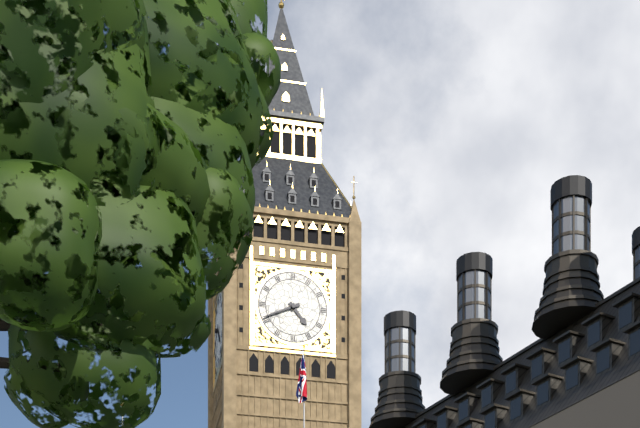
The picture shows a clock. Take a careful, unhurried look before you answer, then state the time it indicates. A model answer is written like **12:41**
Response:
**4:41**
